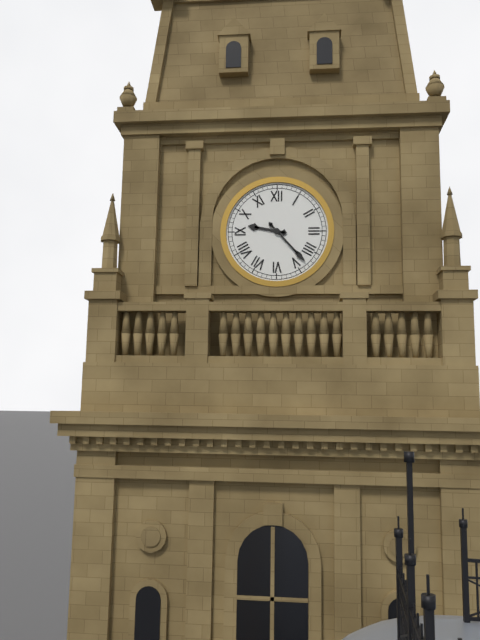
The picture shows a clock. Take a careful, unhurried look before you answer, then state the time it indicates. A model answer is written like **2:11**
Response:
**9:23**
